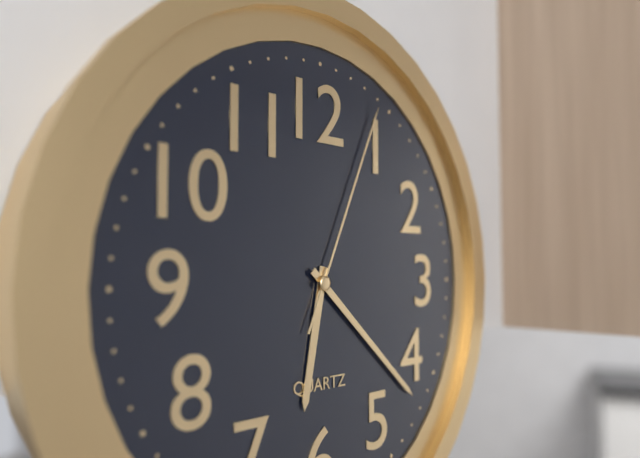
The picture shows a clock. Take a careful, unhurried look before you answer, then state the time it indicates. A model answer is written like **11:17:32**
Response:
**6:22:04**
